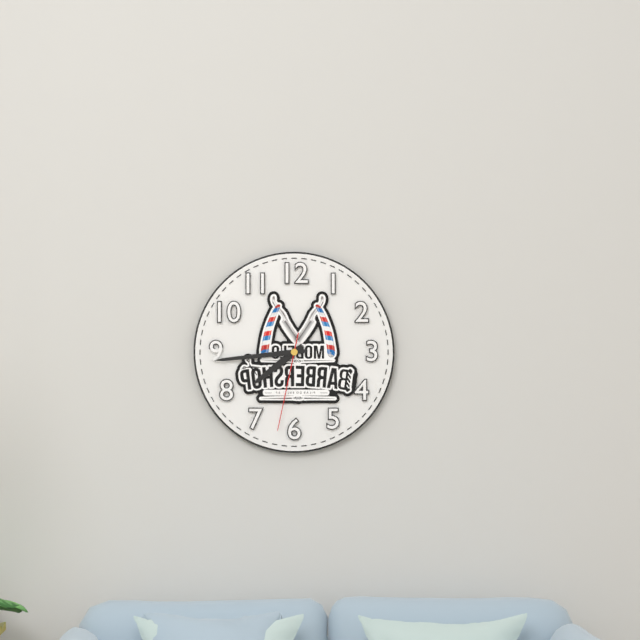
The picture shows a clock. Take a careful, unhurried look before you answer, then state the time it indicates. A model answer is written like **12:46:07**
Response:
**7:44:32**
